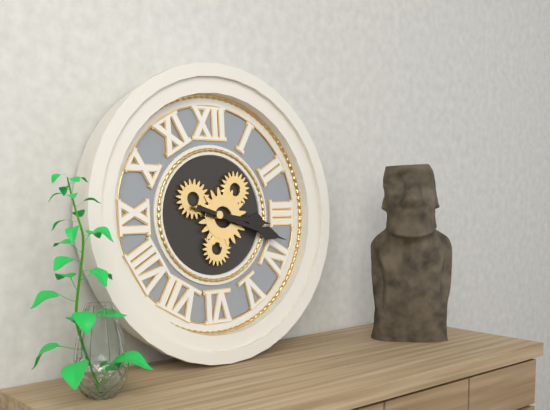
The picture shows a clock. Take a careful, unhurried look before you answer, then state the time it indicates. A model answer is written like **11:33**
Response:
**3:18**
